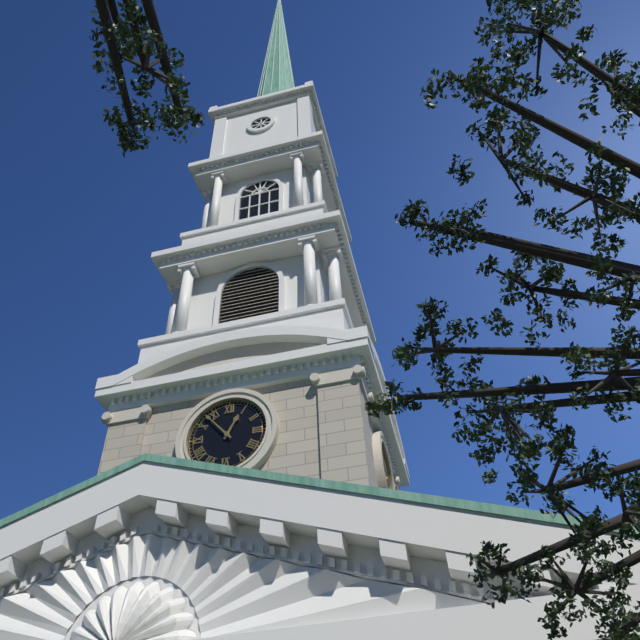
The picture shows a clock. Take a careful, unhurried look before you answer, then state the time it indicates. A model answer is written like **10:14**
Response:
**12:53**
